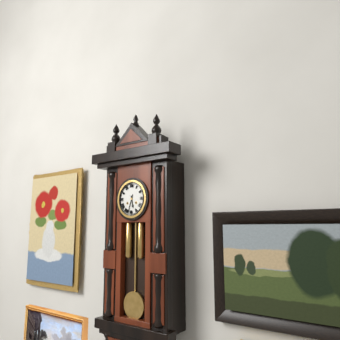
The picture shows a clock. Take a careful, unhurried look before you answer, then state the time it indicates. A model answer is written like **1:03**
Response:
**5:33**
